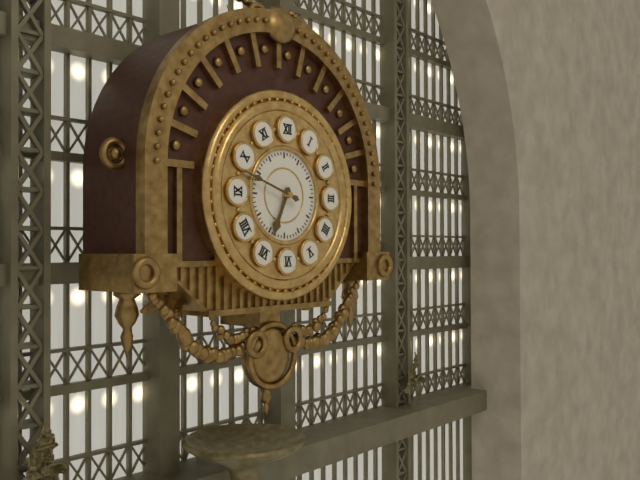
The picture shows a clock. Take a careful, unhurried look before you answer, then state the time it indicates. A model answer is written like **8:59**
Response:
**6:48**
